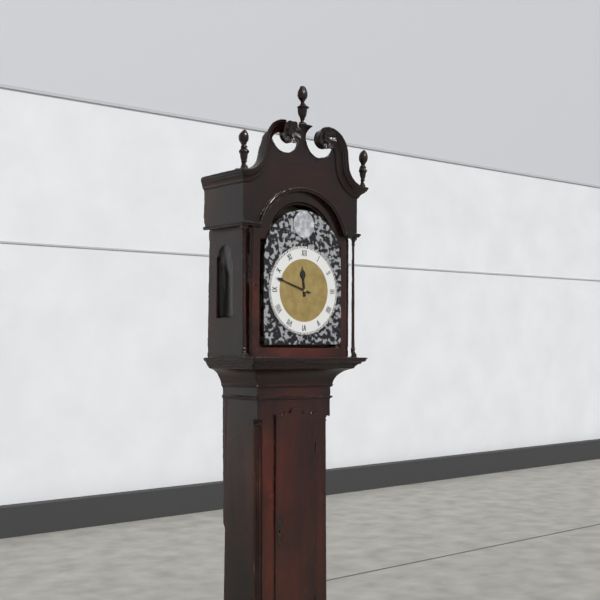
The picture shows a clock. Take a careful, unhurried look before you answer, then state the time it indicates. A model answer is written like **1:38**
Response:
**11:48**
